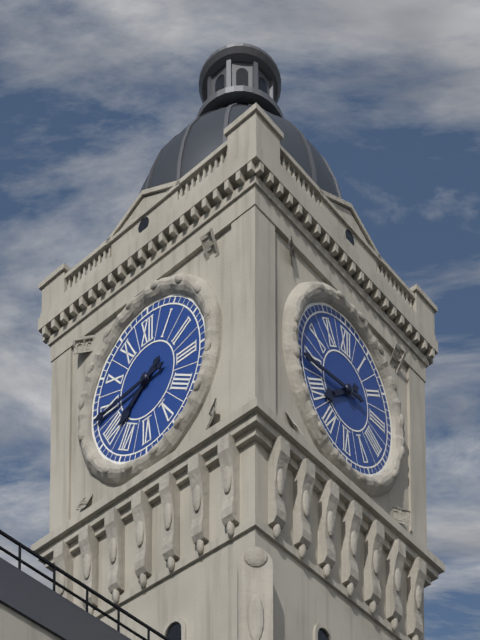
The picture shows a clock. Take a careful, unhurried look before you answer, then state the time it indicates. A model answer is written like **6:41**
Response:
**7:44**
